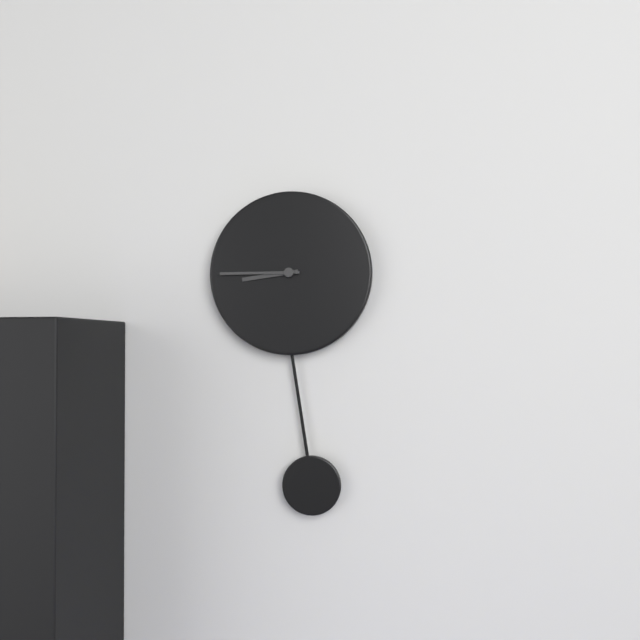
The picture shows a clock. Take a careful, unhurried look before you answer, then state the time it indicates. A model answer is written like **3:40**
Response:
**8:45**
